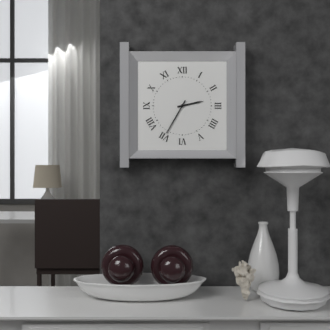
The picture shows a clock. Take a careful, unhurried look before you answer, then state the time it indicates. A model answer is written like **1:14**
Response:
**2:35**
